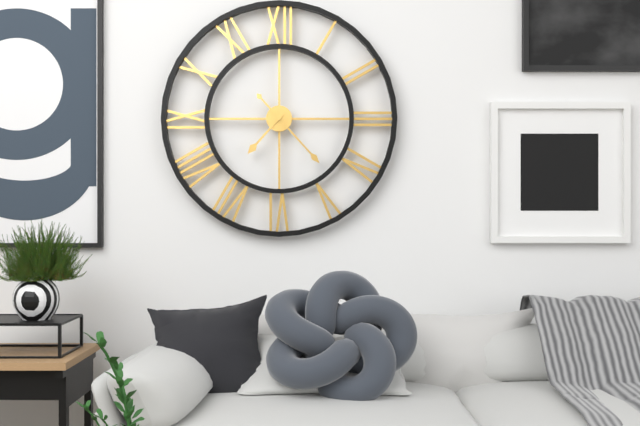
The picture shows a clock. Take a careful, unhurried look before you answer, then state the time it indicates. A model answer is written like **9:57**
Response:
**7:23**
